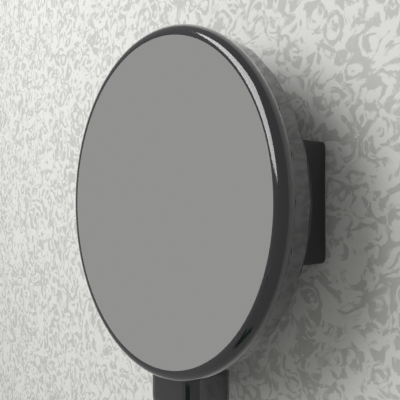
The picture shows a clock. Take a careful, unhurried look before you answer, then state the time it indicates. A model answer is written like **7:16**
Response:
**5:49**
